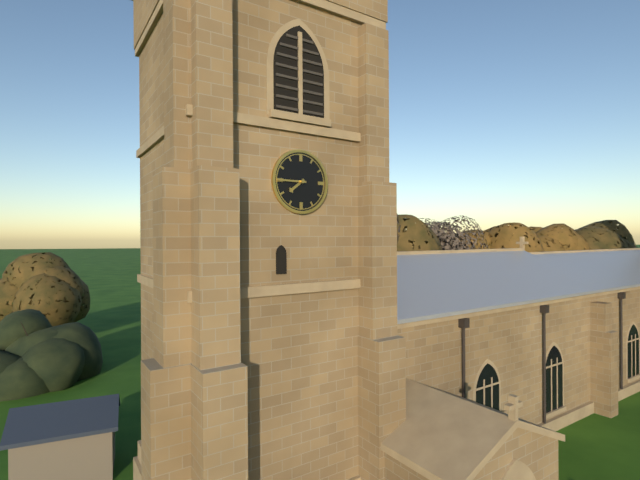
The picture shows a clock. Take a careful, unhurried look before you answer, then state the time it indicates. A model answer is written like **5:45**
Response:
**7:45**
